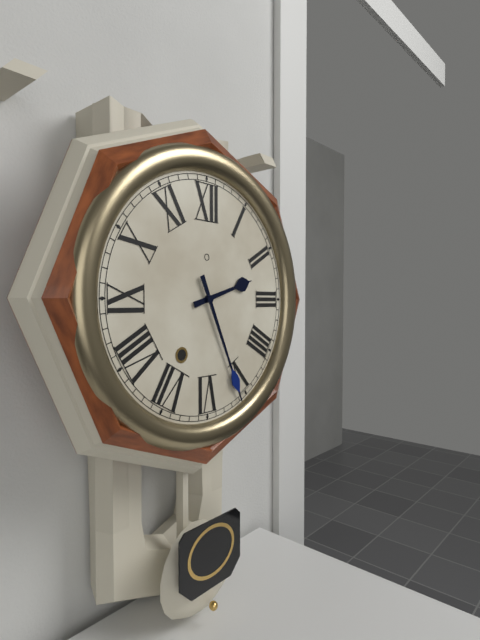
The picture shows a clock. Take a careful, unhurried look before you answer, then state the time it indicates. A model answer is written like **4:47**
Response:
**2:26**
